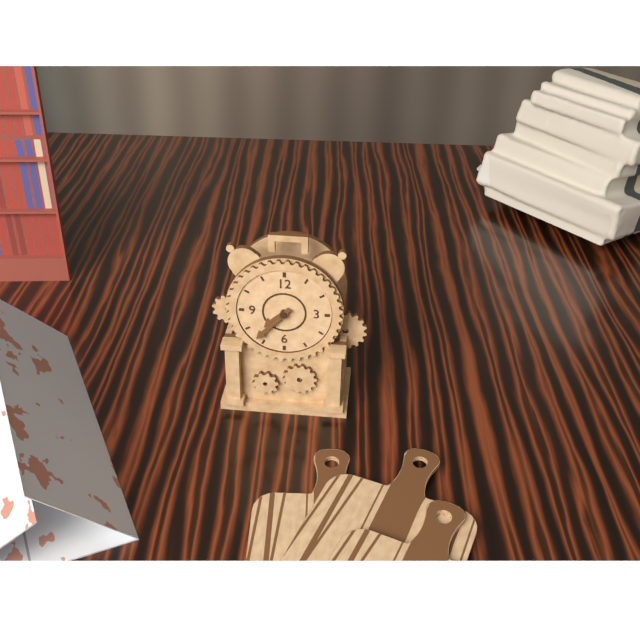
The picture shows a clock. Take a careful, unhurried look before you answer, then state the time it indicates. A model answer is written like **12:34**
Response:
**7:37**
